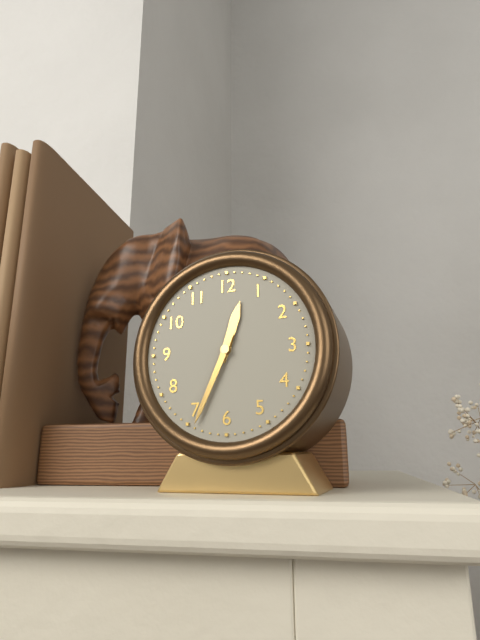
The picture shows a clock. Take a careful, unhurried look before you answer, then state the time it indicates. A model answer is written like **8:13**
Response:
**12:34**
